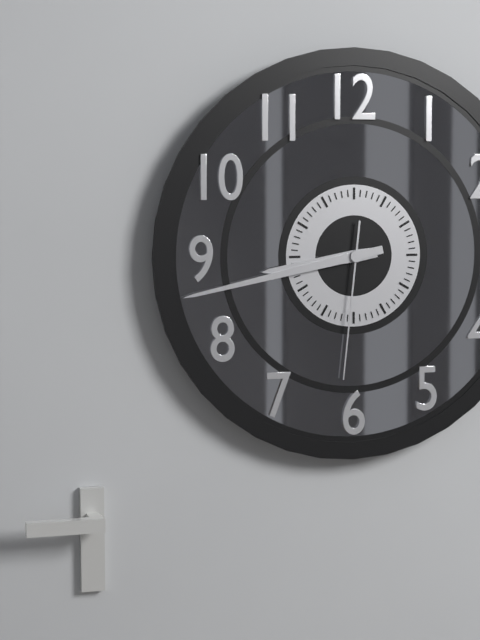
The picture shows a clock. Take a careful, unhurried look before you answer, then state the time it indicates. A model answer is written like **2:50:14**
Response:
**8:43:31**
